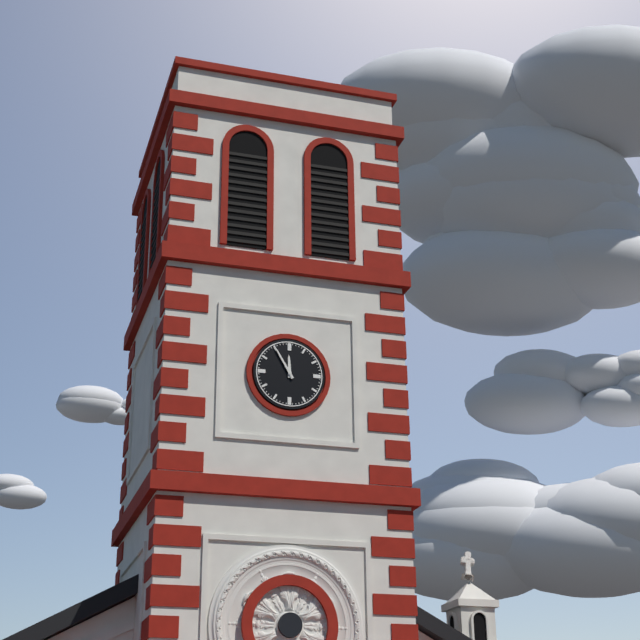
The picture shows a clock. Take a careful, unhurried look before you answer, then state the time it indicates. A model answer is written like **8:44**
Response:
**11:55**
